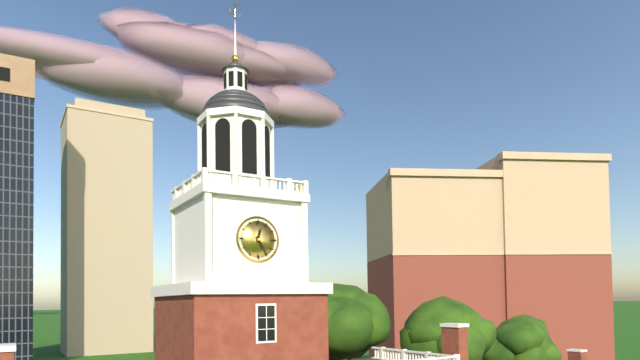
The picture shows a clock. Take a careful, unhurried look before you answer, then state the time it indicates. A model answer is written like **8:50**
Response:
**12:25**
